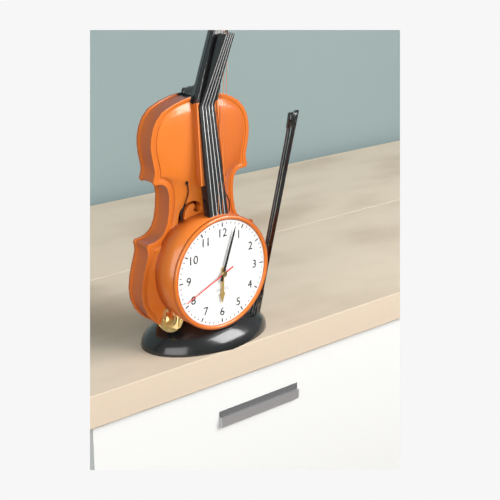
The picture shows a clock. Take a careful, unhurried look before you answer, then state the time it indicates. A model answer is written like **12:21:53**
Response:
**6:03:41**
